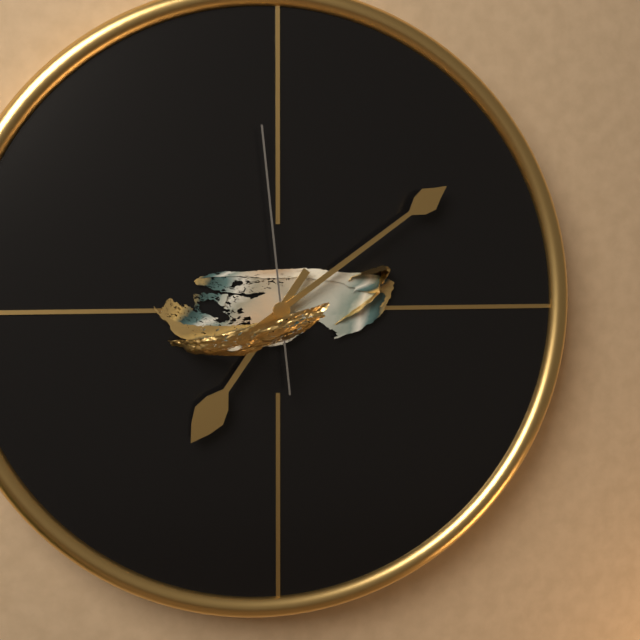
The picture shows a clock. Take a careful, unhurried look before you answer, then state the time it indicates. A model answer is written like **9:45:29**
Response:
**7:09:59**
